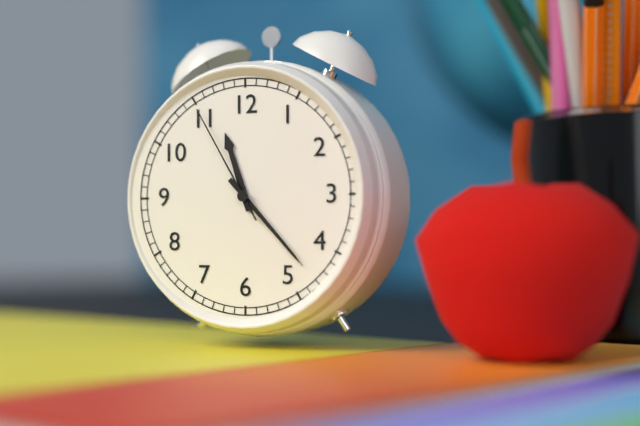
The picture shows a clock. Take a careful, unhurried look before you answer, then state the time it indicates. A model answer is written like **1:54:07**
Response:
**11:23:55**
